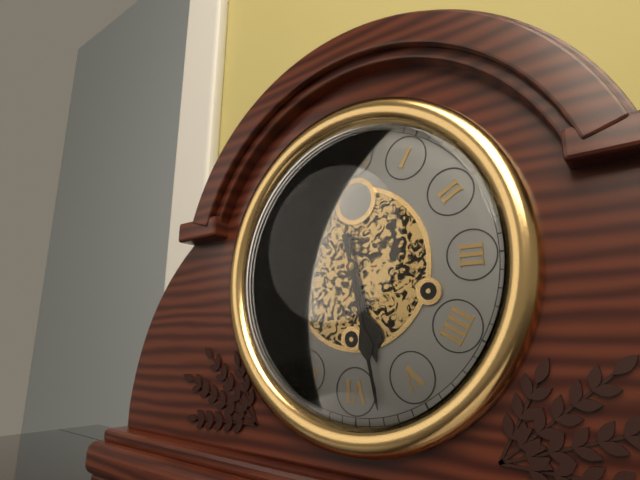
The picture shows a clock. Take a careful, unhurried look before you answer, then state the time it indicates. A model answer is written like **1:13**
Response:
**5:28**
